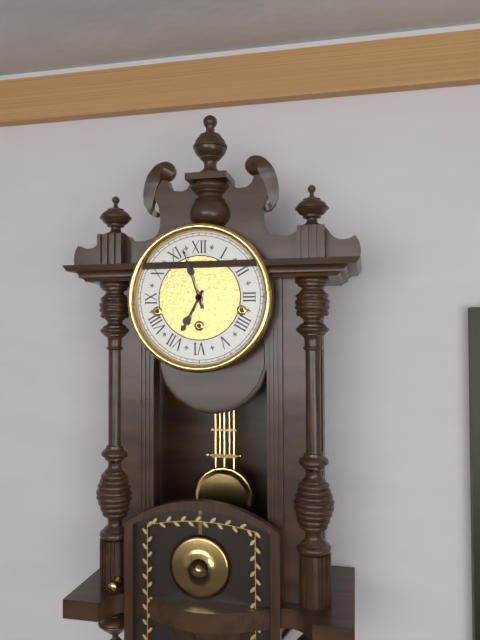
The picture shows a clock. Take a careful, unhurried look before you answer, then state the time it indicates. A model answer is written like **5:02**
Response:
**6:57**
